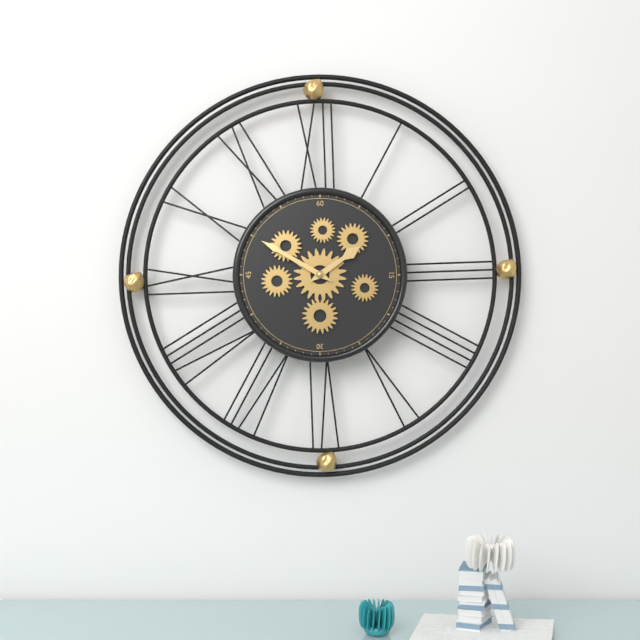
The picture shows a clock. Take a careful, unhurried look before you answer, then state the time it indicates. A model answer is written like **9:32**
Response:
**1:50**
